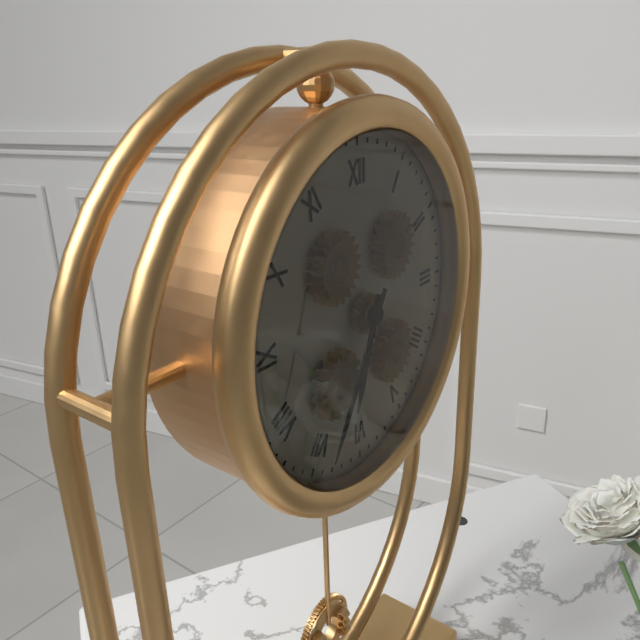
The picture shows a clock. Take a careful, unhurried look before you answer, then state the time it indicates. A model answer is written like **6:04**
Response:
**6:35**
